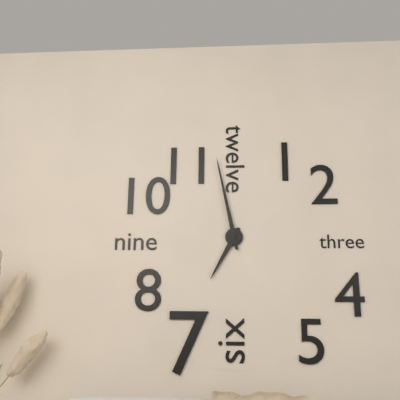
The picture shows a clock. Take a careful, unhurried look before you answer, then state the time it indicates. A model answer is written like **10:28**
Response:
**6:58**
